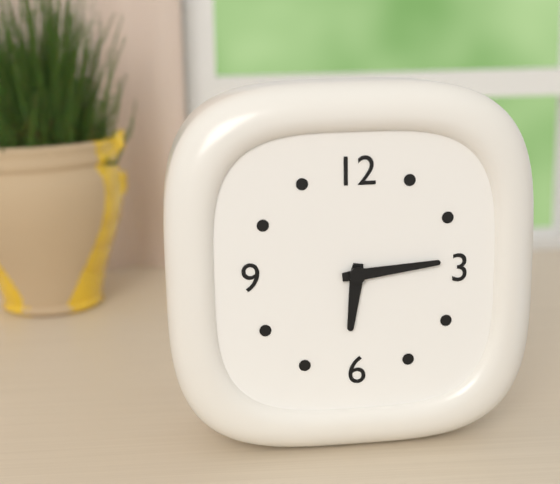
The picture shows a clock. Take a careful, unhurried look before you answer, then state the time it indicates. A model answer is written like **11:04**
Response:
**6:14**
